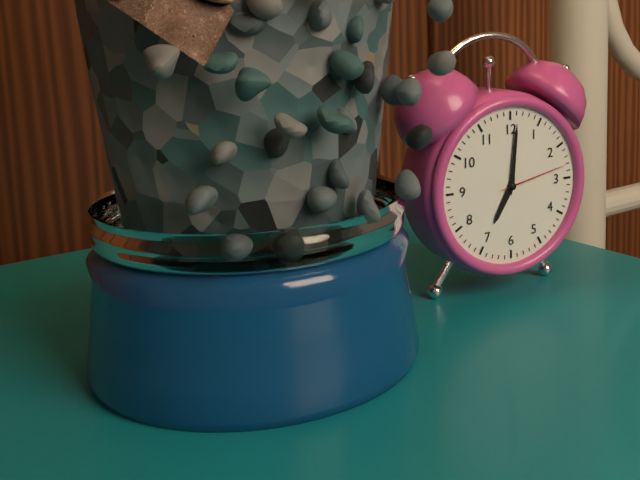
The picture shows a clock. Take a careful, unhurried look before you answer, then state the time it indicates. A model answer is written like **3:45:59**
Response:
**7:01:13**
